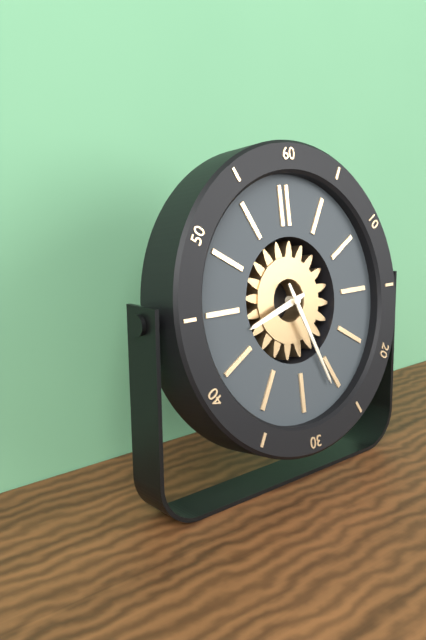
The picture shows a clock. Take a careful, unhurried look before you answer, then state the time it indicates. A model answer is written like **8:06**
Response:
**8:26**
